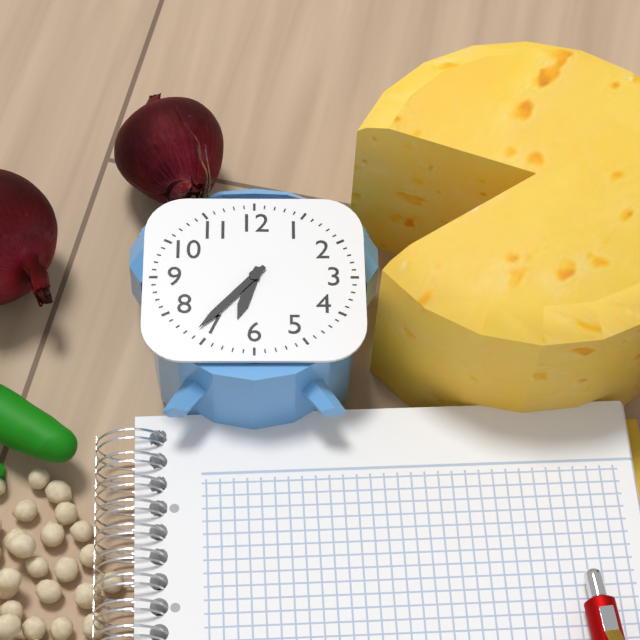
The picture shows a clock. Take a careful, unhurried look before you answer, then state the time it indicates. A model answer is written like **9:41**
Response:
**6:37**
